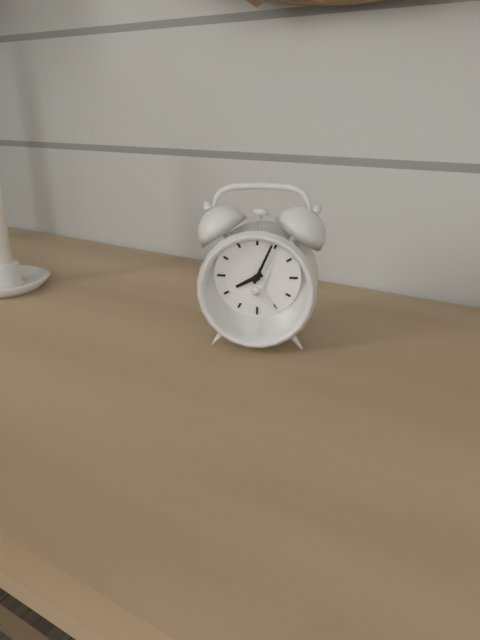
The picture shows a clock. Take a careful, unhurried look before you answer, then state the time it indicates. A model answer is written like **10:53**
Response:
**8:04**
